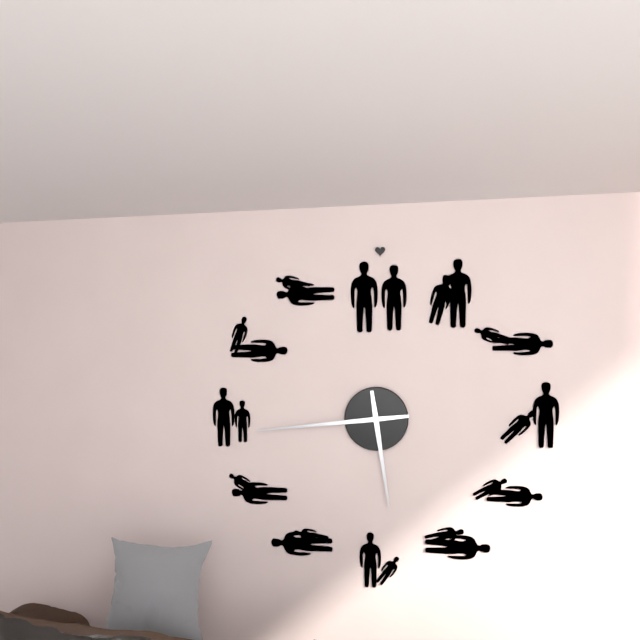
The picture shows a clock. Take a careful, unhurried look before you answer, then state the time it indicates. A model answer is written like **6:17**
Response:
**5:44**
